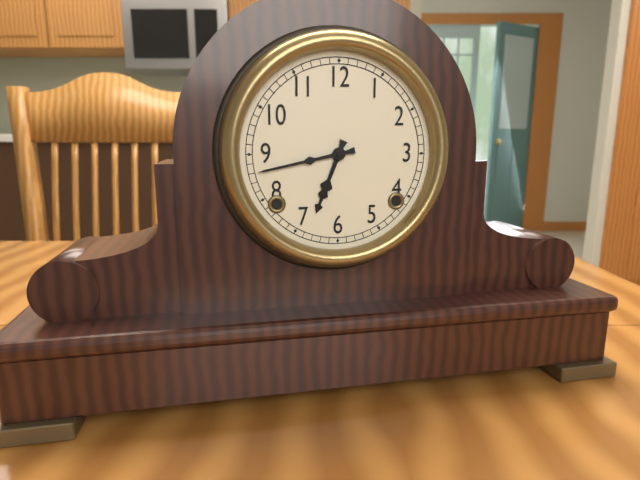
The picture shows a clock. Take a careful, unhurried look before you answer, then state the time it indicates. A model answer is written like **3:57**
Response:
**6:43**
